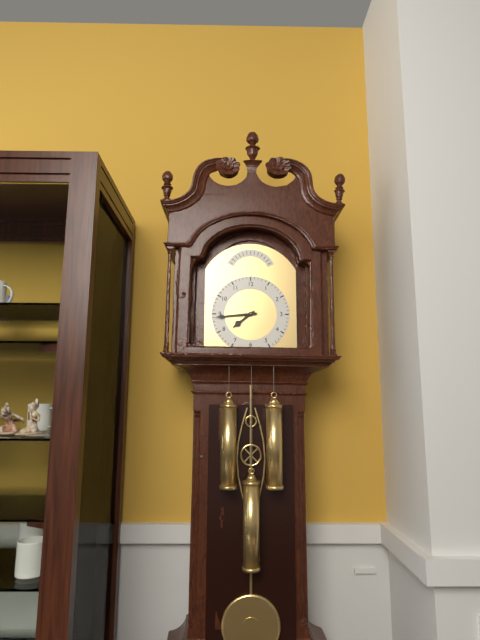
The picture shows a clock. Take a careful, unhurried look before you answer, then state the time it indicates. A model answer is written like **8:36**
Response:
**7:44**
